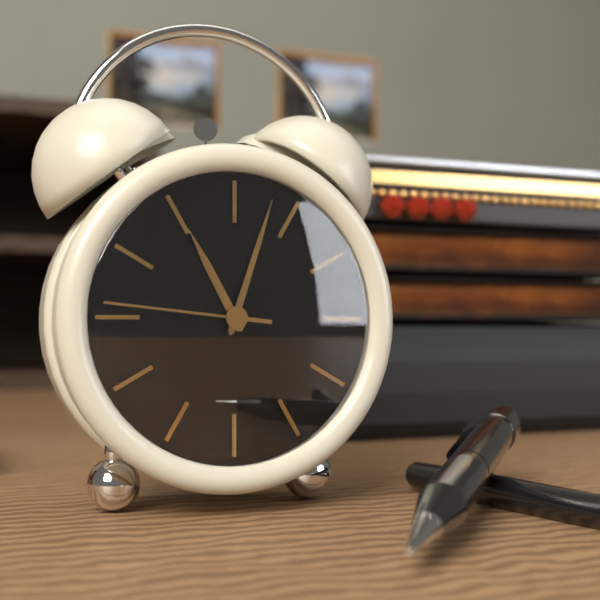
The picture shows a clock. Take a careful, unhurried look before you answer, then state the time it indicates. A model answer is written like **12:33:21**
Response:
**11:03:46**
